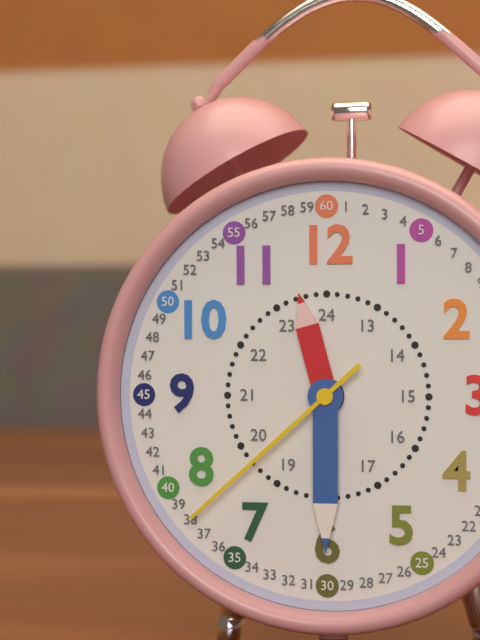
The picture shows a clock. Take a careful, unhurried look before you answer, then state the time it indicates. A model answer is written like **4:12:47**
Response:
**11:30:38**
